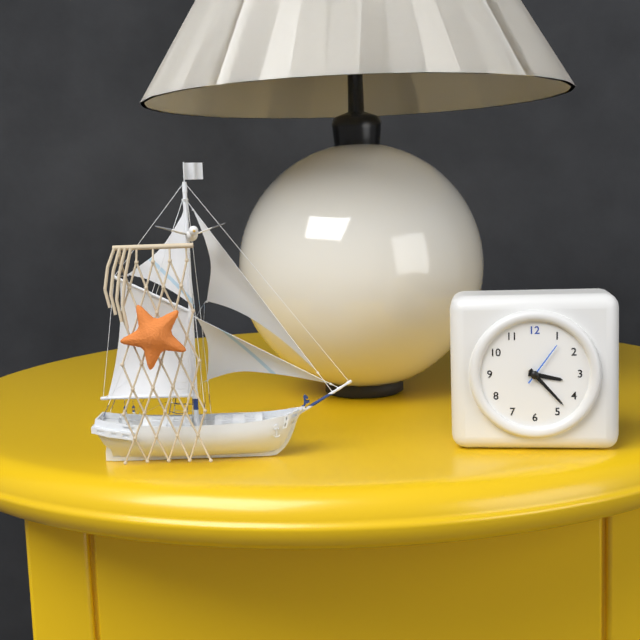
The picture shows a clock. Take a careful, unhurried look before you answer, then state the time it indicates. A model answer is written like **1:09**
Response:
**3:23**
